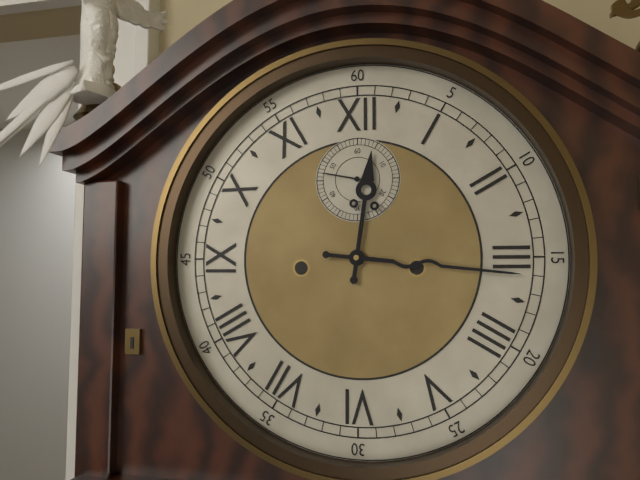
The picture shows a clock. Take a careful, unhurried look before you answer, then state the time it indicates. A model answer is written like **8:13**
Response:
**12:16**
